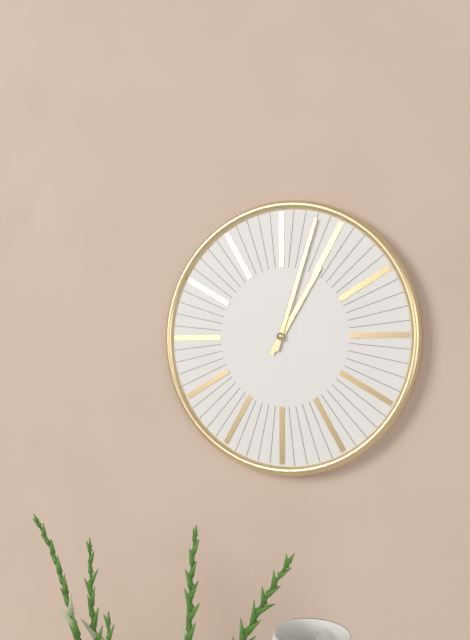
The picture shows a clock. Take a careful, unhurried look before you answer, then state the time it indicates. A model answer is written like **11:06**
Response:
**1:03**
